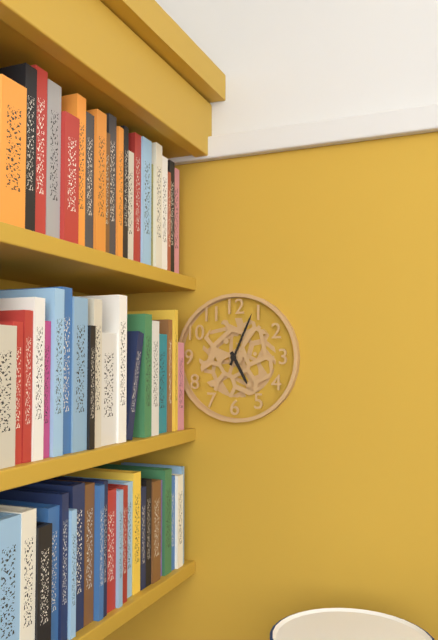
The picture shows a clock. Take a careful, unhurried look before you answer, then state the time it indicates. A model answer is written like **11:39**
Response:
**5:04**
